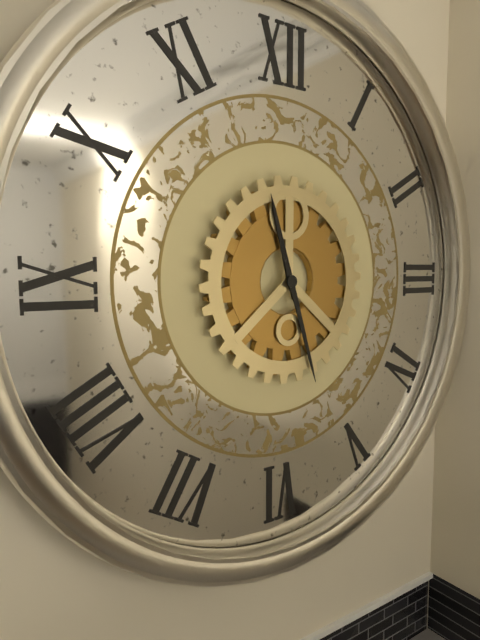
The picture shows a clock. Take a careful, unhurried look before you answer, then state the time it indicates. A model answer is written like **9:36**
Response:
**11:27**
